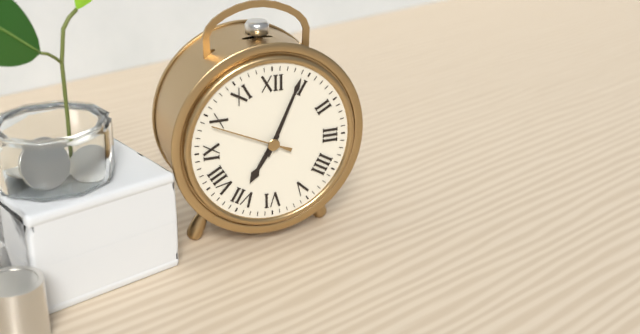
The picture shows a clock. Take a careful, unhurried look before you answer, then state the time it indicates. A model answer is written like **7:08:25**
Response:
**7:04:49**
